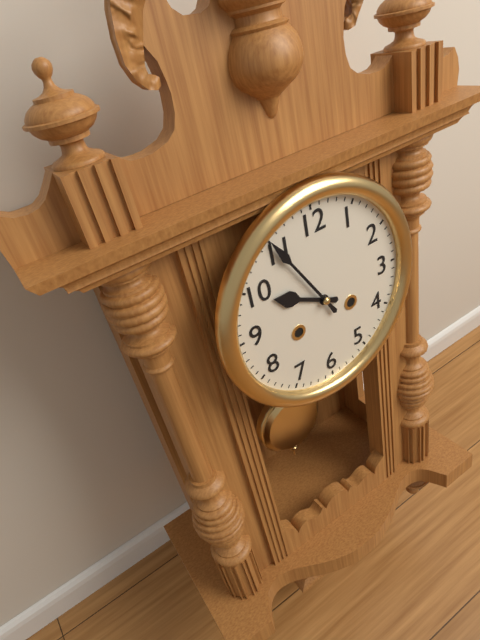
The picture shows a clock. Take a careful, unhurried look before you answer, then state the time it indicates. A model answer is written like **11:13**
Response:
**9:55**
